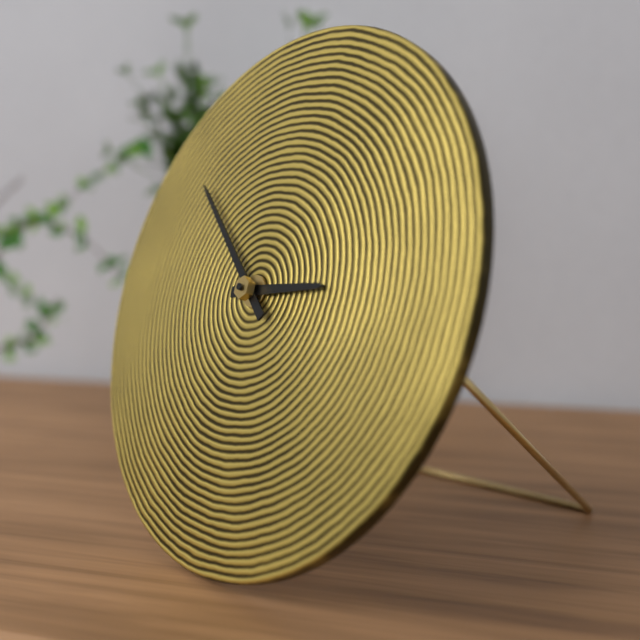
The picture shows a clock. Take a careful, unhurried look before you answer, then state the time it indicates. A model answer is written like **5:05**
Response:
**2:52**
